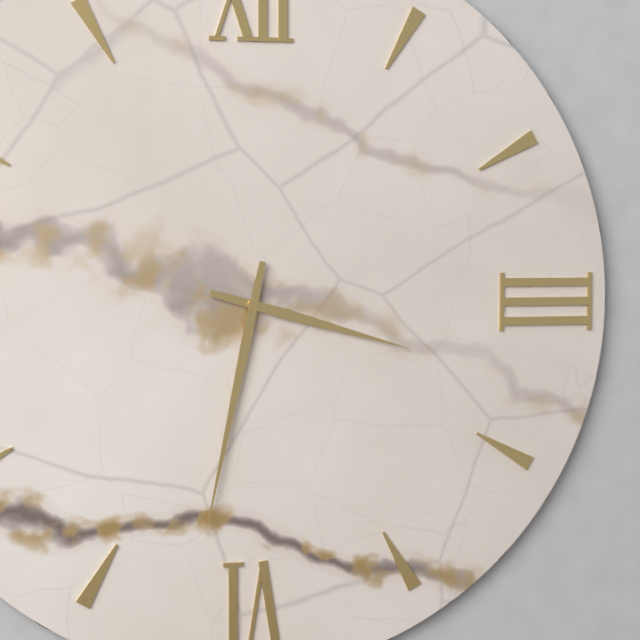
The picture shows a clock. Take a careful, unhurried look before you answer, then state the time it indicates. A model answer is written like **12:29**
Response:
**3:32**
